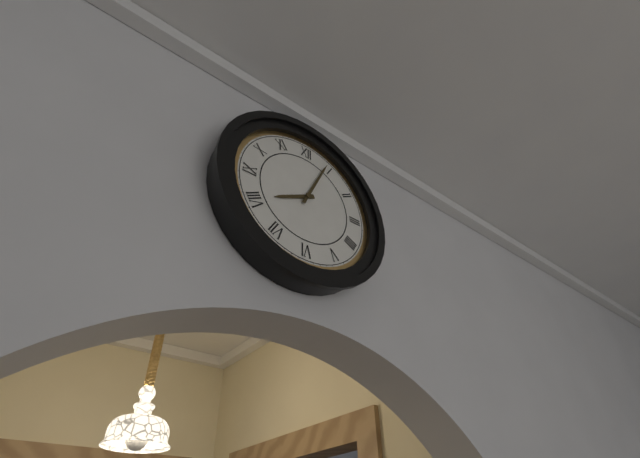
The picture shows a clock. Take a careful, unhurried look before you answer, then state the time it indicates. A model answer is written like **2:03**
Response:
**8:04**
